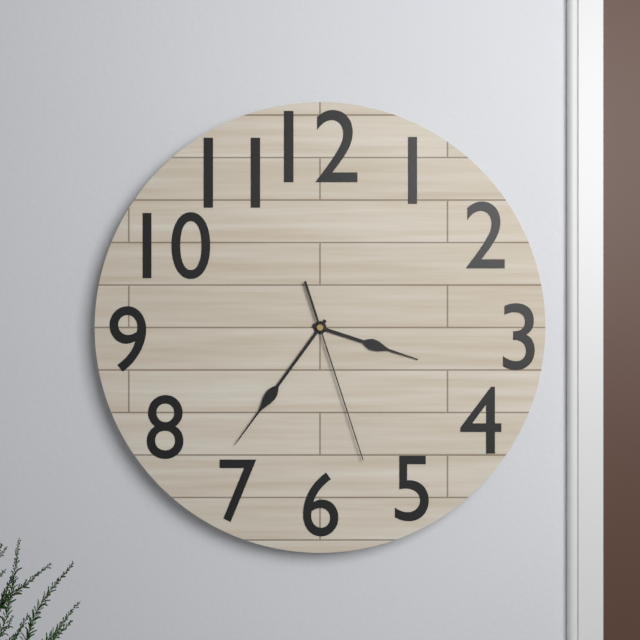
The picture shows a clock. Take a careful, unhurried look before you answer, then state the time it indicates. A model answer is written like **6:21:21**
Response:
**3:36:27**
